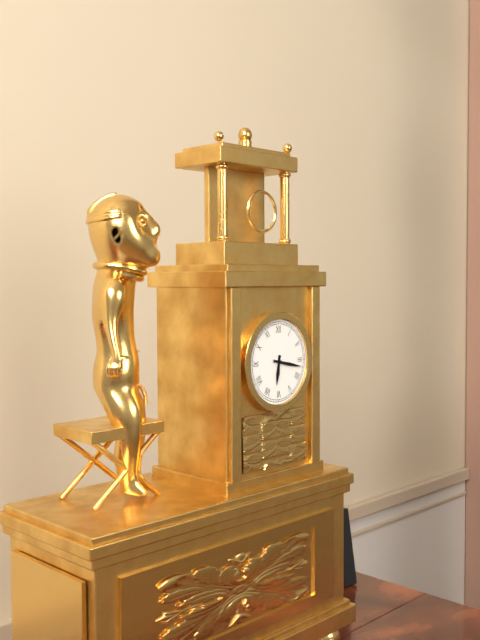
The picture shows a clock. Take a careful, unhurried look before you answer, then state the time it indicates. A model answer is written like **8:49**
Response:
**6:17**
